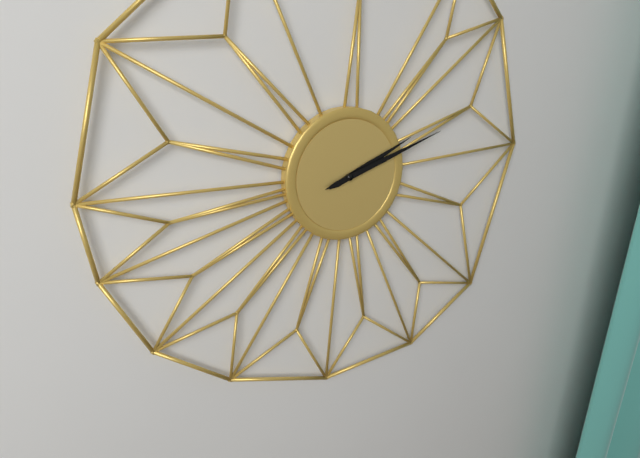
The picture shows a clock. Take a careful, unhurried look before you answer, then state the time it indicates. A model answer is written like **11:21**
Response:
**2:12**
